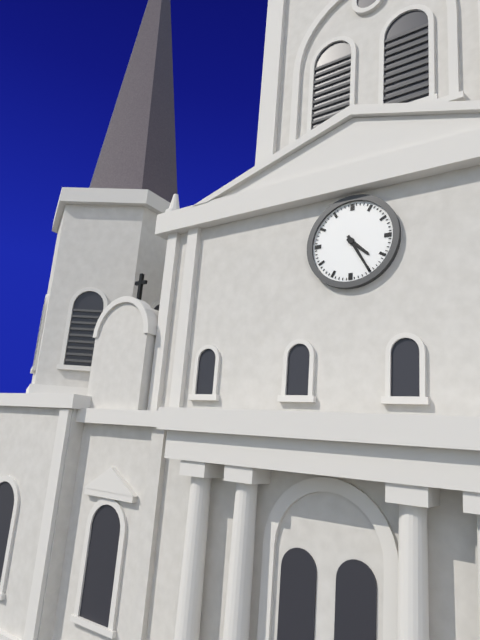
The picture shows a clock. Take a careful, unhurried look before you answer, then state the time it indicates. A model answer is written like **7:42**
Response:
**4:25**
